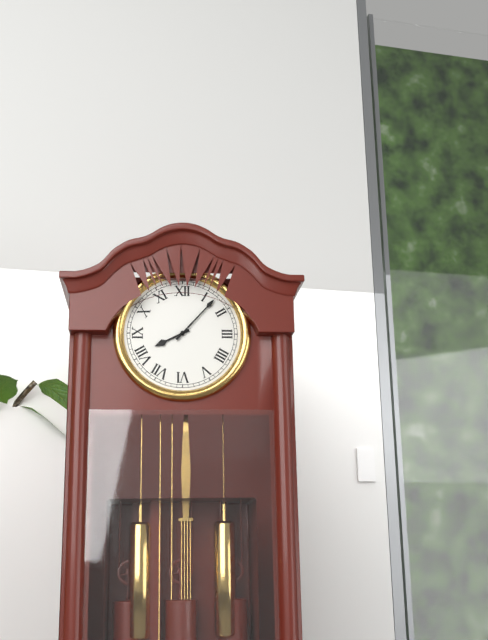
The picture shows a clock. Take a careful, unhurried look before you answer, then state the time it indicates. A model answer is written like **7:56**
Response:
**8:07**
